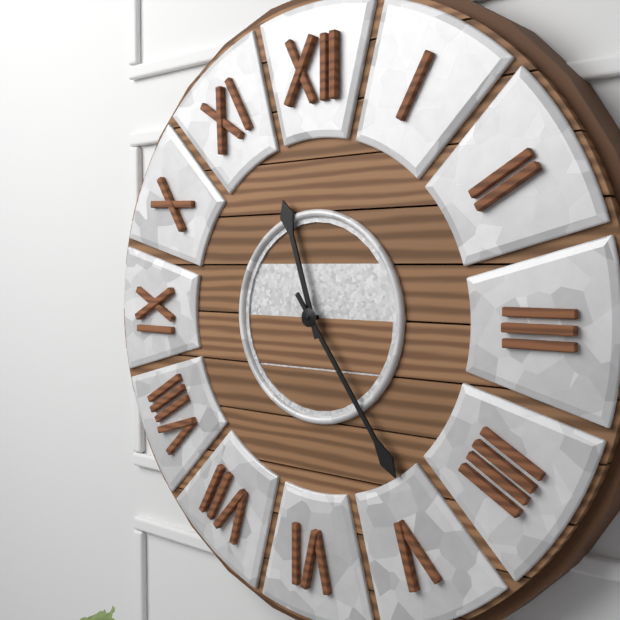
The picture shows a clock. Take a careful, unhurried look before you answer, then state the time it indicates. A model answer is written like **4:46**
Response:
**11:24**
